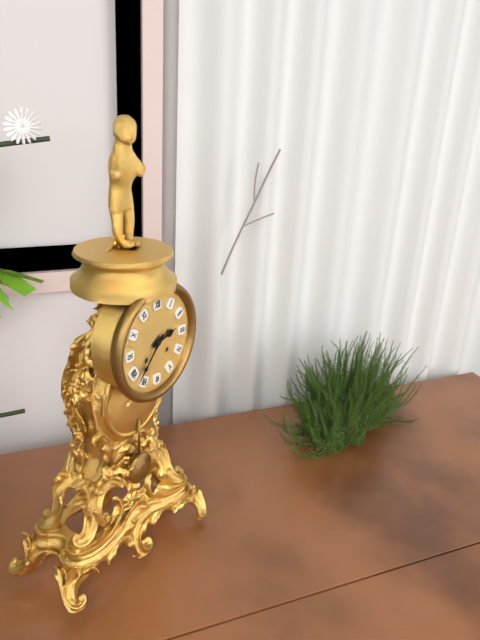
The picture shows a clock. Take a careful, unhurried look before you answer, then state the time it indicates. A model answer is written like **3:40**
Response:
**2:37**
